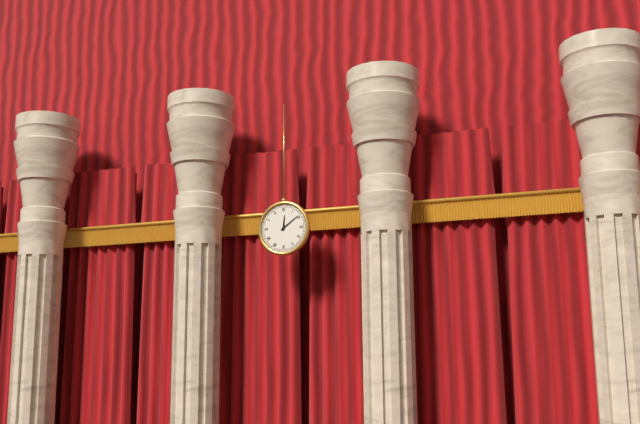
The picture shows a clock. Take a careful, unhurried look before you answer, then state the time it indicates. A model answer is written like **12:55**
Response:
**12:09**
